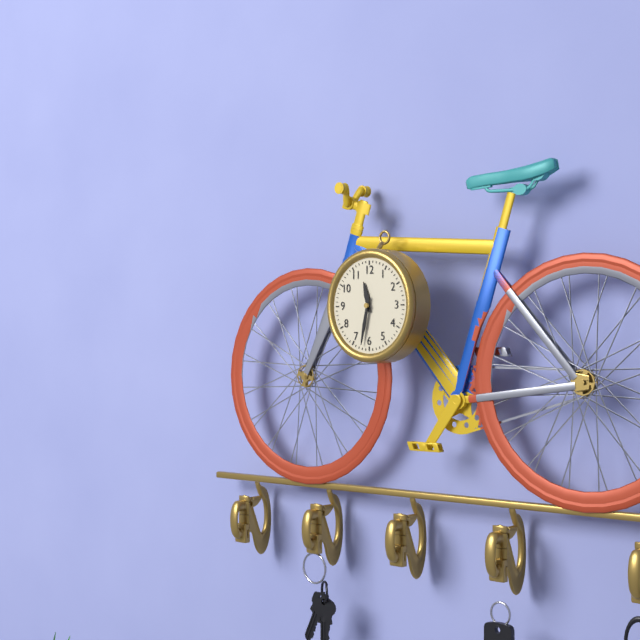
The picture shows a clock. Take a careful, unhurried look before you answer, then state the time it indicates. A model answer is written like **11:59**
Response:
**11:32**
